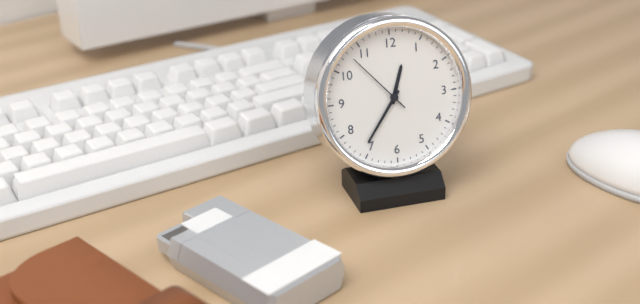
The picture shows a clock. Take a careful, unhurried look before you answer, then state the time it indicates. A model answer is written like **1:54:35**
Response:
**12:36:53**
